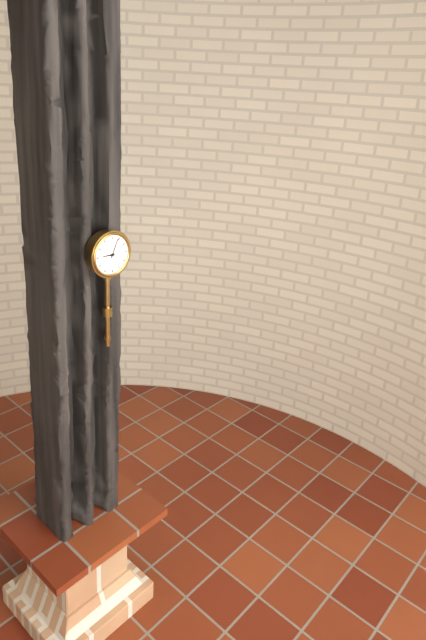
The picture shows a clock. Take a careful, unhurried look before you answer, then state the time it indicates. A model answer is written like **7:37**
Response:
**9:04**
